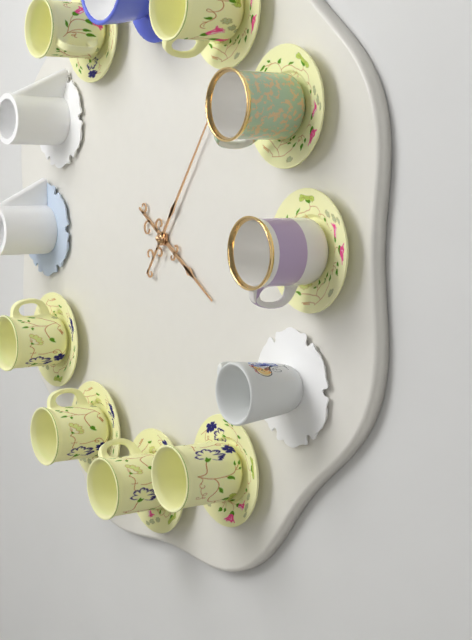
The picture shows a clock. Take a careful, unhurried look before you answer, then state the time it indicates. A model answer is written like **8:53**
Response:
**4:06**
